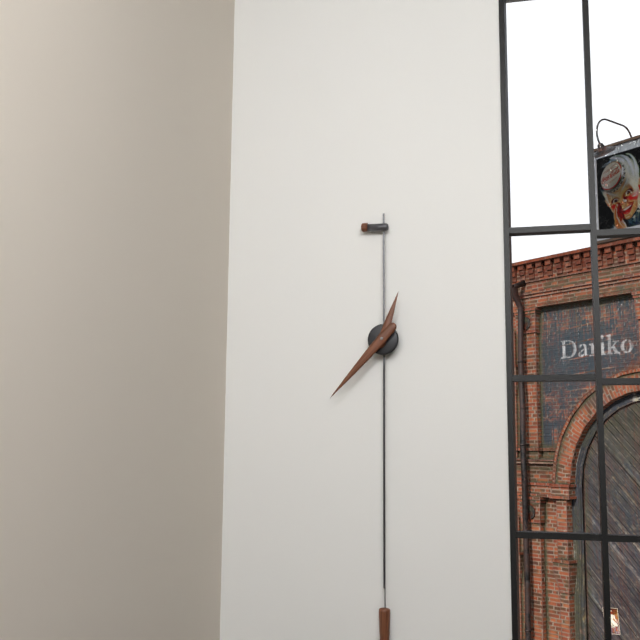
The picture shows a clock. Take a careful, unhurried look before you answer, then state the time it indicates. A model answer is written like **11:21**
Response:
**12:37**
